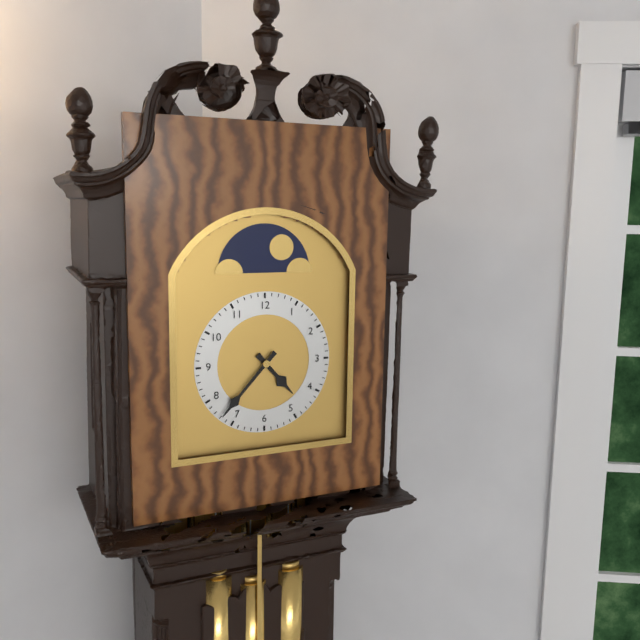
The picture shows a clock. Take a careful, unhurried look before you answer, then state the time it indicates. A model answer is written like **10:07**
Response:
**4:37**
